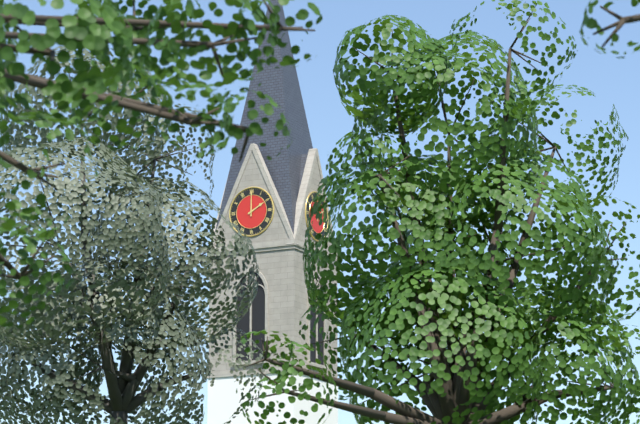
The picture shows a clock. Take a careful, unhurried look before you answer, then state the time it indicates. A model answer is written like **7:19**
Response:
**2:00**
